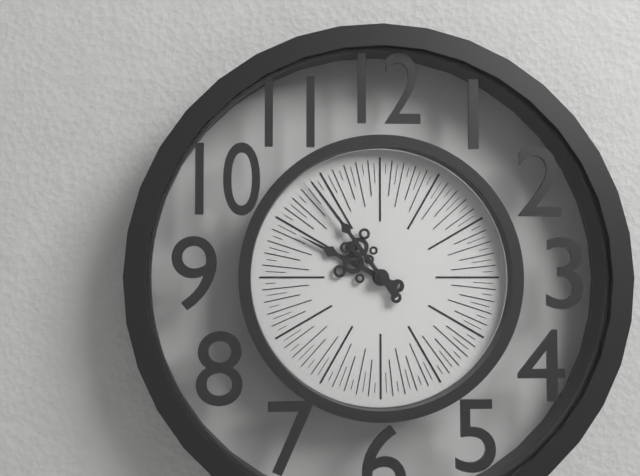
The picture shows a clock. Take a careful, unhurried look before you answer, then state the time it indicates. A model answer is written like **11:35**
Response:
**9:54**
